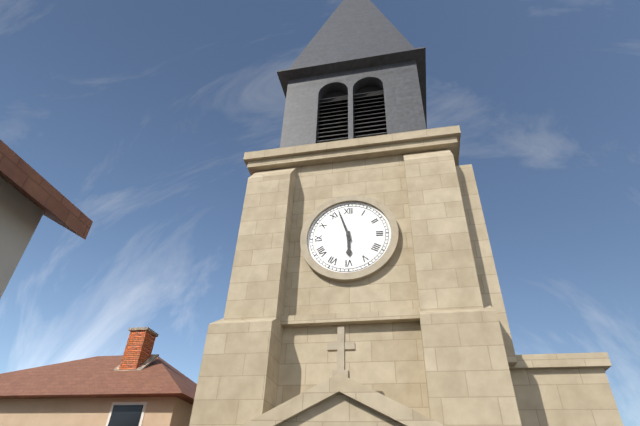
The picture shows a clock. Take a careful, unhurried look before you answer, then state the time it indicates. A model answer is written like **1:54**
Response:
**5:57**
